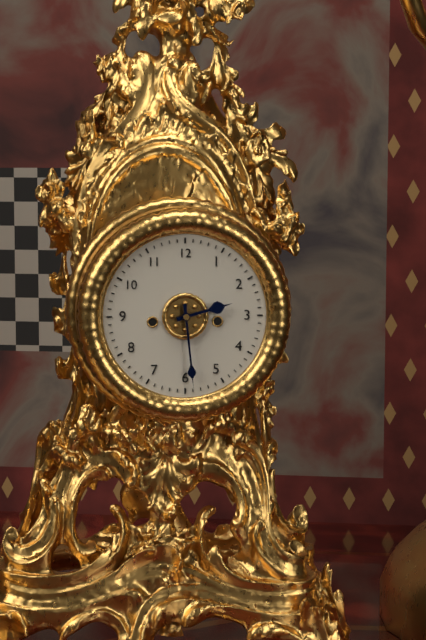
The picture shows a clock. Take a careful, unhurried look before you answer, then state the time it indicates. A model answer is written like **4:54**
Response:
**2:29**
